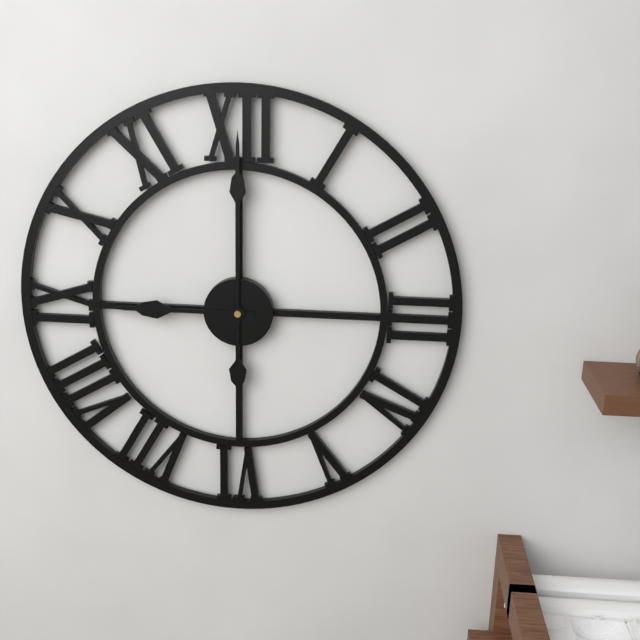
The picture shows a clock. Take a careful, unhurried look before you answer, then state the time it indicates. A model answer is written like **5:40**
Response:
**9:00**
